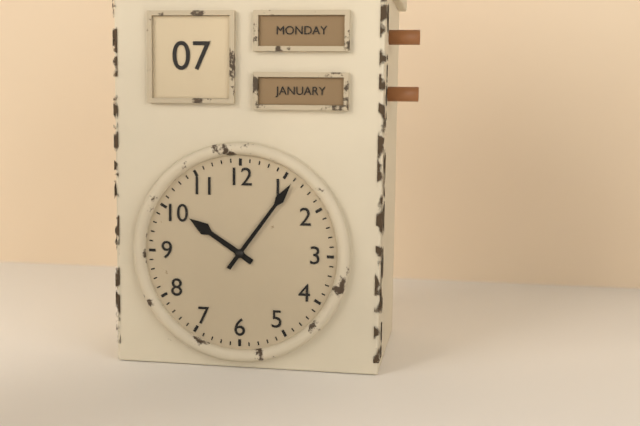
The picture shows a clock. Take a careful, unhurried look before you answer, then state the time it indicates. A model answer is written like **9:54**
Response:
**10:06**
